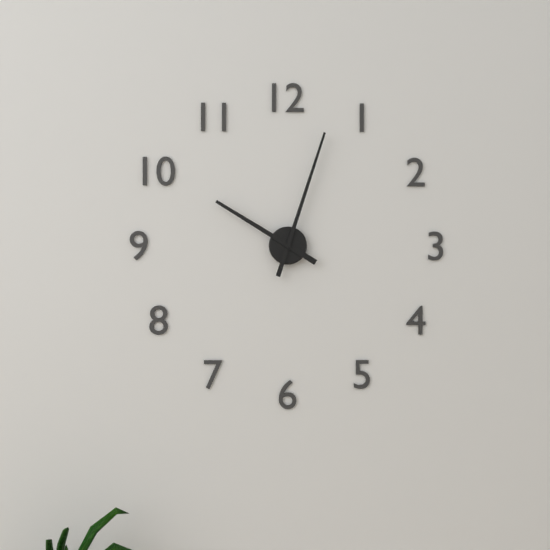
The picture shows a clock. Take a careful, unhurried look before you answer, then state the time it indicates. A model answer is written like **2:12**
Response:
**10:03**
